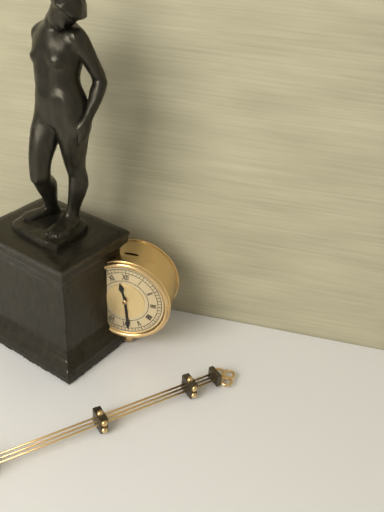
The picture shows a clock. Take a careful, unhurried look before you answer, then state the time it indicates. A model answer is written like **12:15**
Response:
**11:29**
